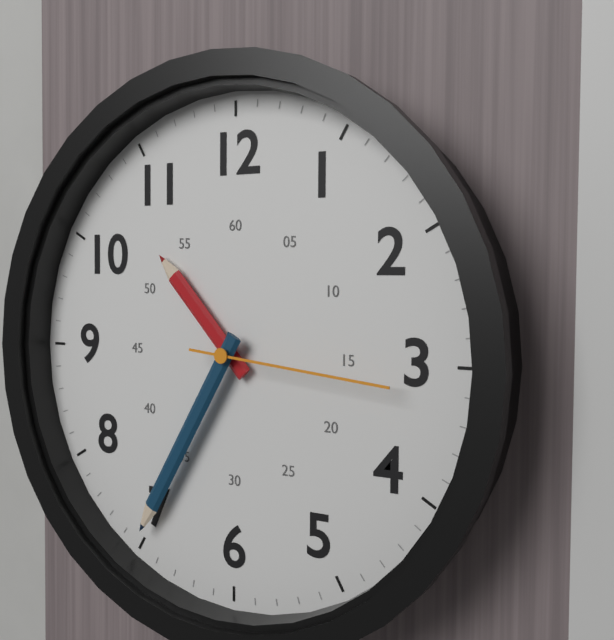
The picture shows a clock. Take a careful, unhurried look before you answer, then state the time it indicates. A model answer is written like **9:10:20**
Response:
**10:35:16**
